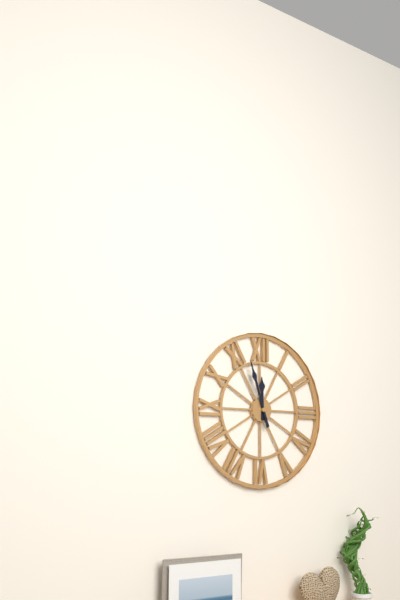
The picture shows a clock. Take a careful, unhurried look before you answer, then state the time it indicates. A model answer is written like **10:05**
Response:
**11:57**
